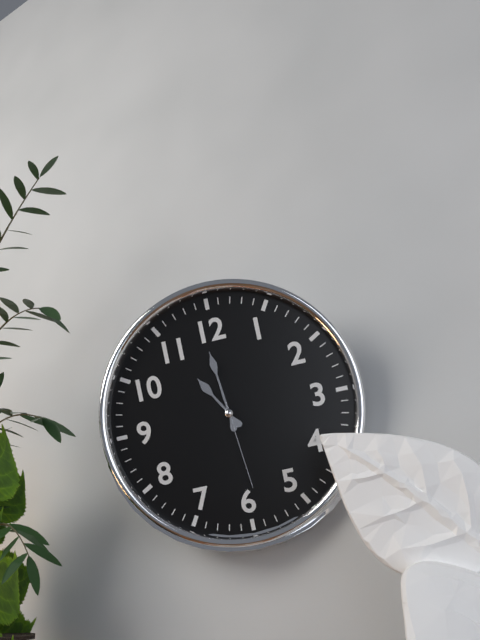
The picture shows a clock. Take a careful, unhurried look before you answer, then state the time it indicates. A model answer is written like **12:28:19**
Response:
**10:59:29**
